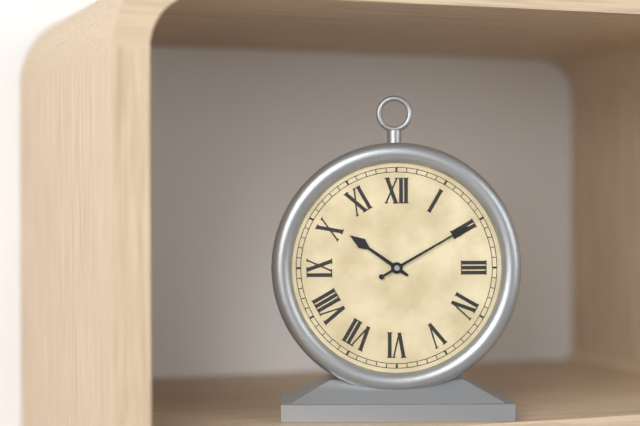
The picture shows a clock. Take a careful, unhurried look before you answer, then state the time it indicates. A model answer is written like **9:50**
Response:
**10:10**
